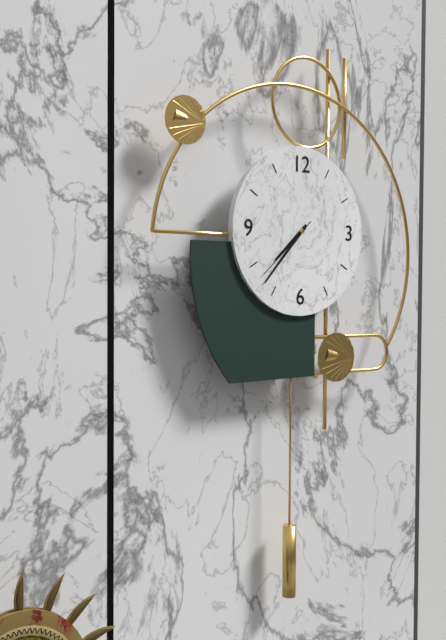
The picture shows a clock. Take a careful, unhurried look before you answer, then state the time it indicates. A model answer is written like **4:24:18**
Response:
**7:37:38**
